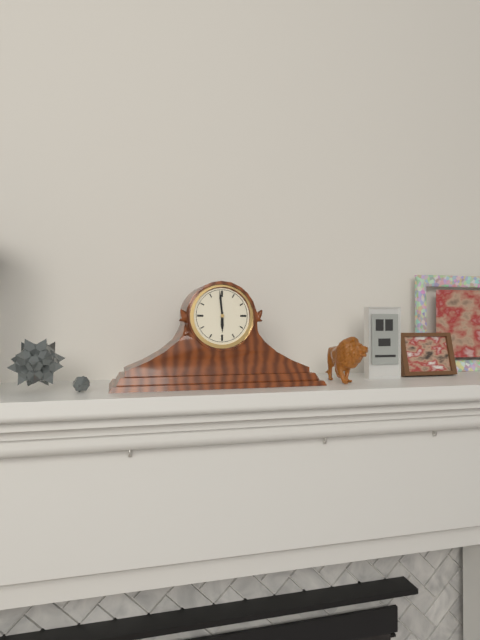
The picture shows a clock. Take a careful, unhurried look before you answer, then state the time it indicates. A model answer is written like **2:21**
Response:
**5:59**
